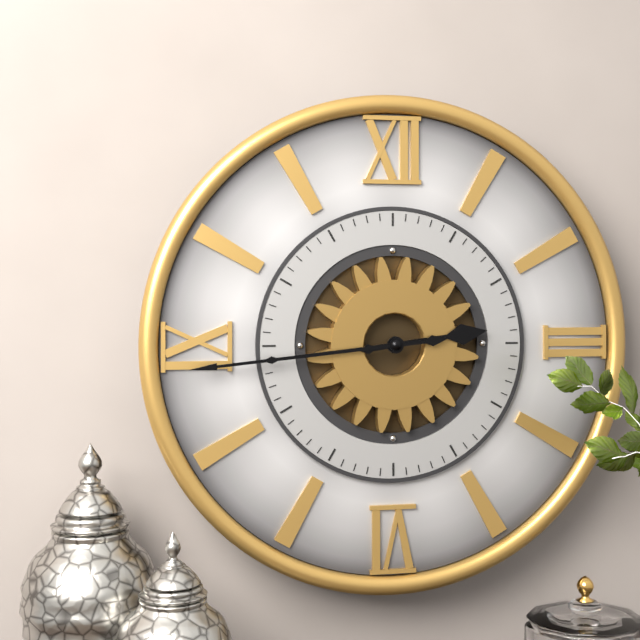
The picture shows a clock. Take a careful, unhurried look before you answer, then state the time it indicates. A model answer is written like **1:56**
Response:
**2:44**
